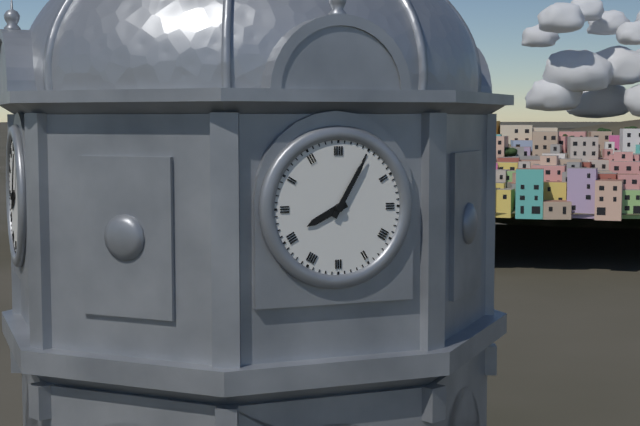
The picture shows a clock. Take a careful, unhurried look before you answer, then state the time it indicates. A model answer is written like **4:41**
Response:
**8:05**
